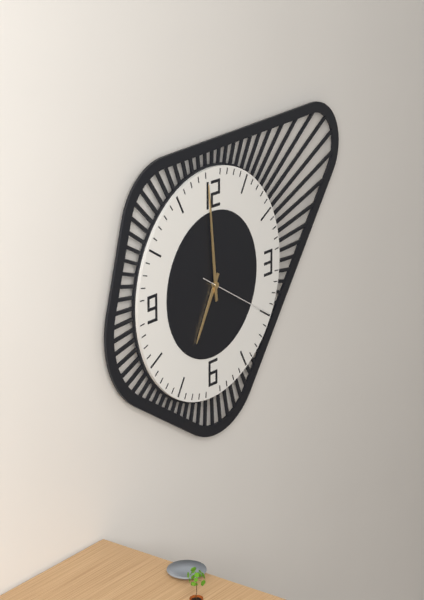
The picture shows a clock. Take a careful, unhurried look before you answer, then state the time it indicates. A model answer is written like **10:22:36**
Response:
**6:59:20**
